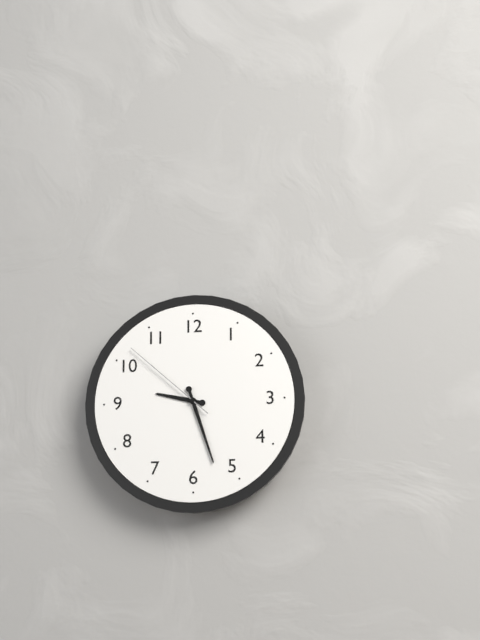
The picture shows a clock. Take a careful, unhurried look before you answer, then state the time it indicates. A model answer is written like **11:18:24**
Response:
**9:27:52**
